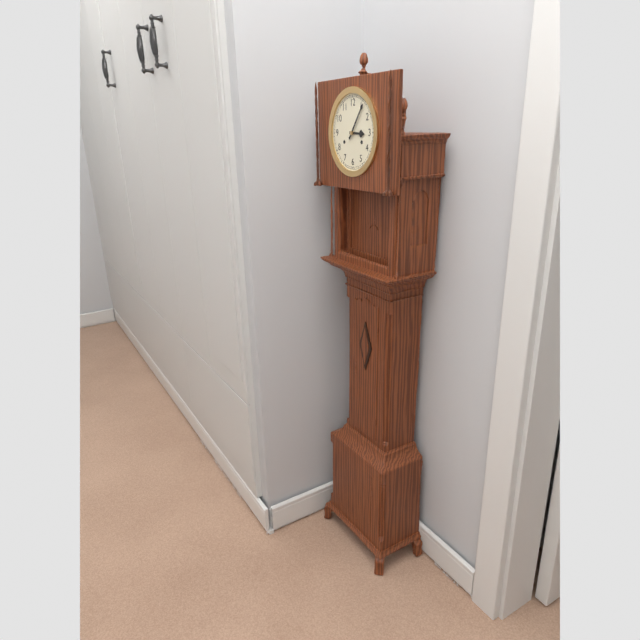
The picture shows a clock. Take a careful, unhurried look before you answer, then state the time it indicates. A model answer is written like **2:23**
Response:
**3:06**
